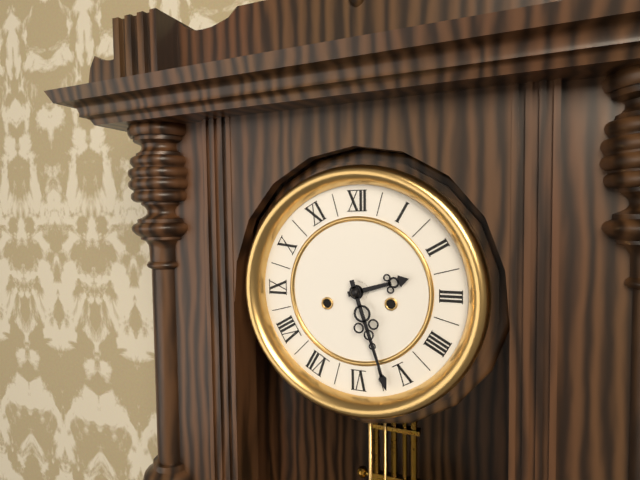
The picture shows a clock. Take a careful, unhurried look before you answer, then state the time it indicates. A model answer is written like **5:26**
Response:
**2:27**
